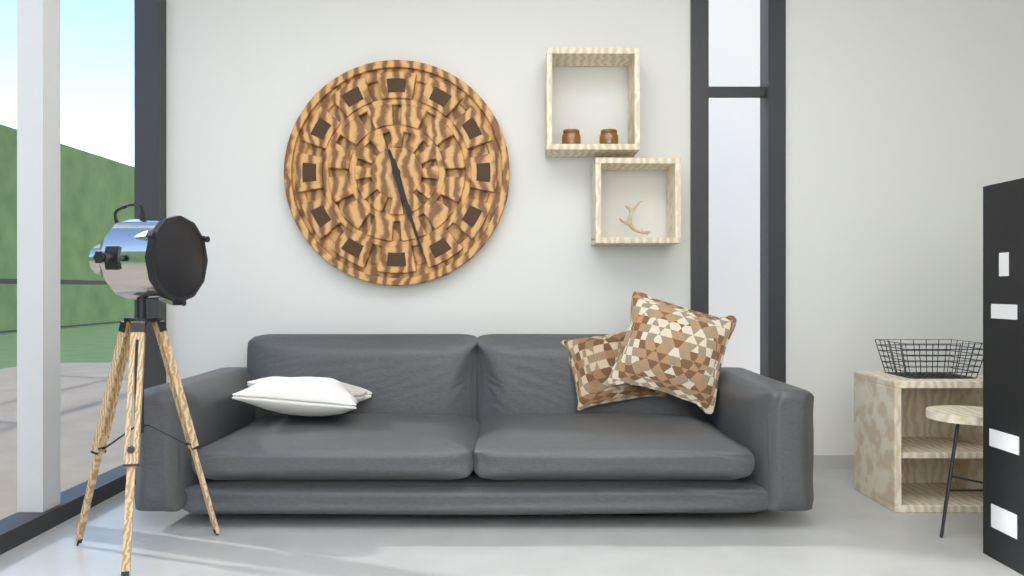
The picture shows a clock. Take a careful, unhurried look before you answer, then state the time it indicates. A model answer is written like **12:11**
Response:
**5:27**
